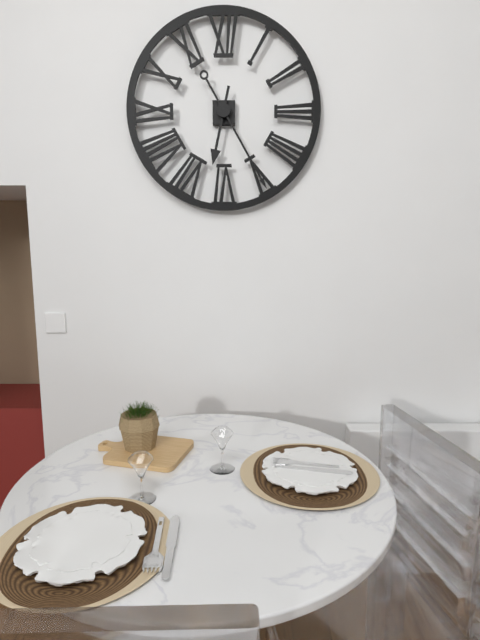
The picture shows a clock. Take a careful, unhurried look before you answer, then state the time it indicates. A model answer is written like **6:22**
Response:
**6:25**
